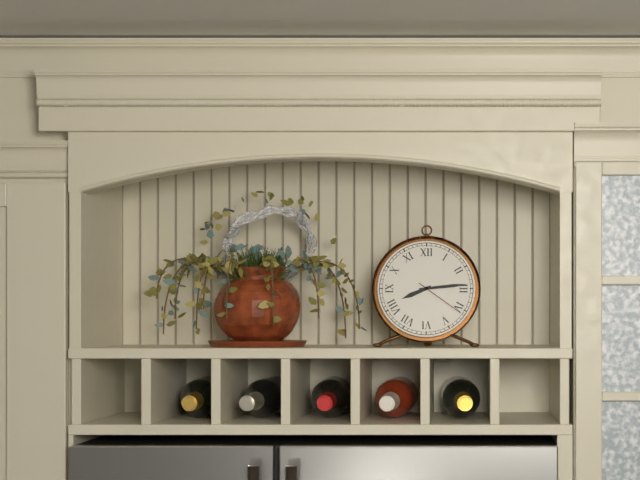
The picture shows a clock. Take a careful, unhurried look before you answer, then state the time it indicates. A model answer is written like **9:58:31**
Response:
**8:14:21**
